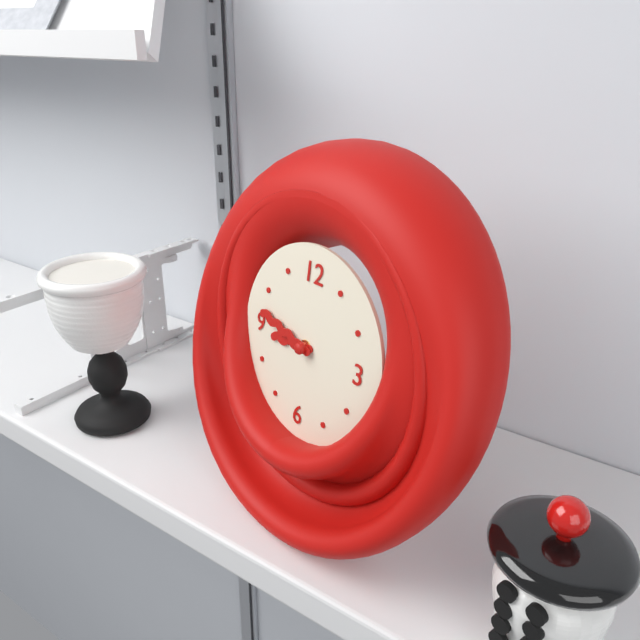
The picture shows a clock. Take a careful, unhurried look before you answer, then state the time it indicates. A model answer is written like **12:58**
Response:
**8:47**
